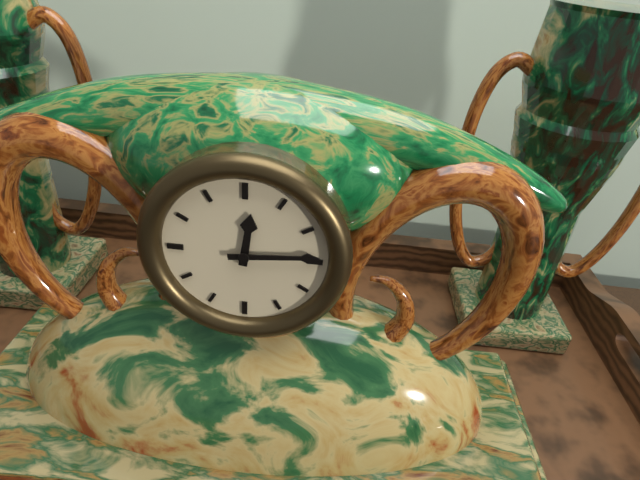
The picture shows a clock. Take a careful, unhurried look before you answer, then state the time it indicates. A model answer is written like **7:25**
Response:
**12:14**
